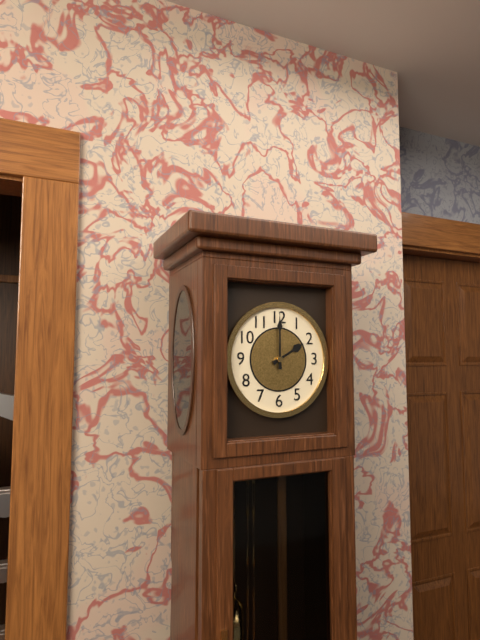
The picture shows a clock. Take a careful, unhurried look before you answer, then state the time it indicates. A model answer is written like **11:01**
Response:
**2:00**
